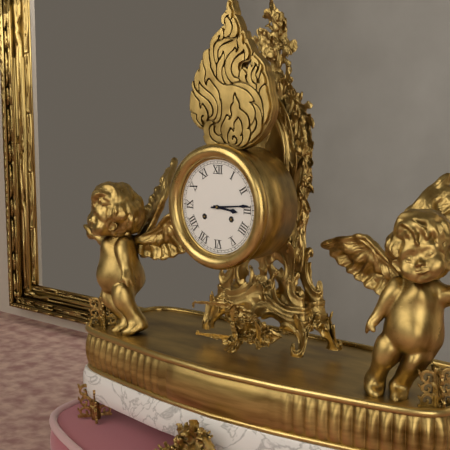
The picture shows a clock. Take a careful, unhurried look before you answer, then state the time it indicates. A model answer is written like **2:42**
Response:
**3:14**
